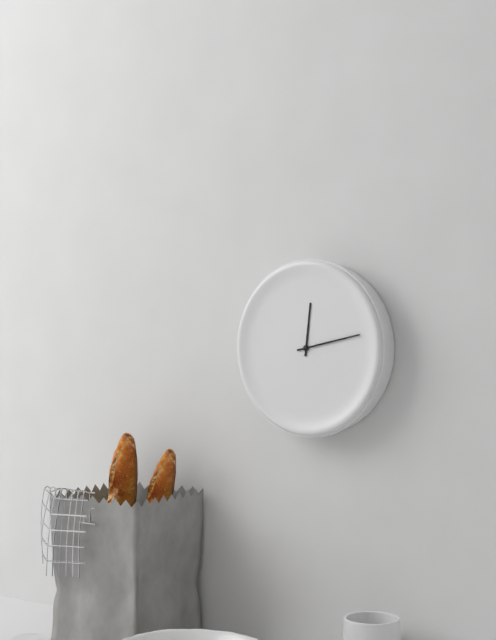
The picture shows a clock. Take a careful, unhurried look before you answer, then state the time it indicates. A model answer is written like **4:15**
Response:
**12:13**
